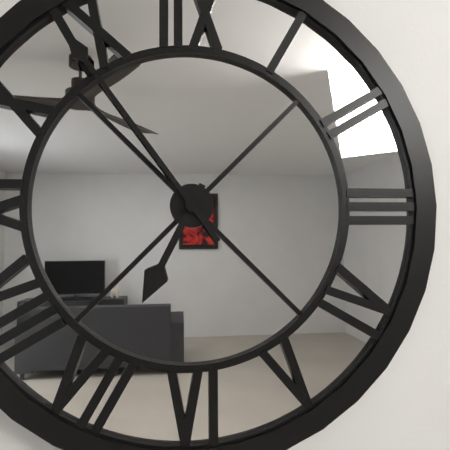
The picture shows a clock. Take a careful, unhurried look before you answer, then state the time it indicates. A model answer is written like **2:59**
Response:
**6:54**
